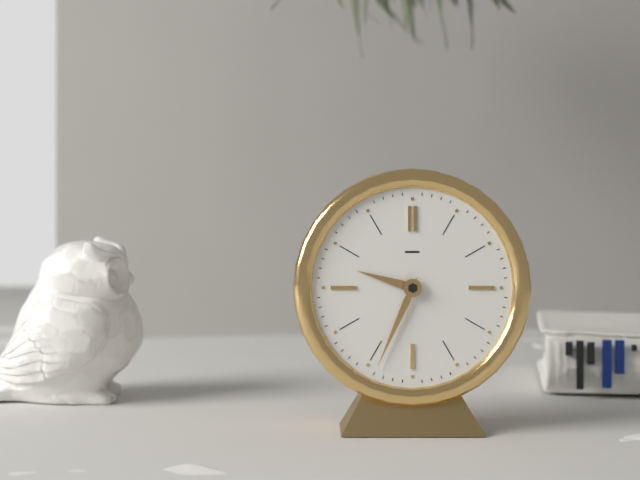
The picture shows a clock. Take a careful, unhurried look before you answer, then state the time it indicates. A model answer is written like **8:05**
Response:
**9:34**
